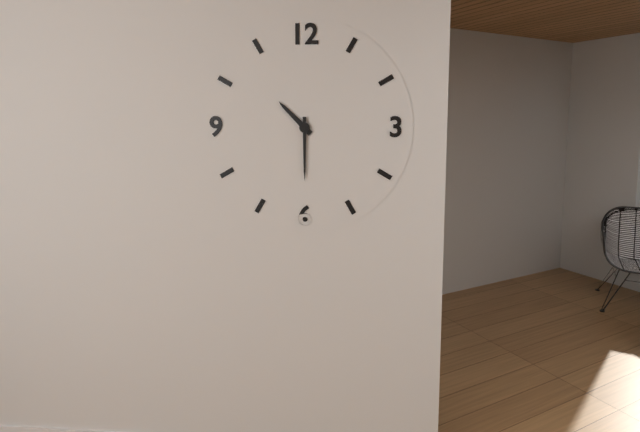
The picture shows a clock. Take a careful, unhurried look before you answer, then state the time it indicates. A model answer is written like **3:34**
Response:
**10:30**
